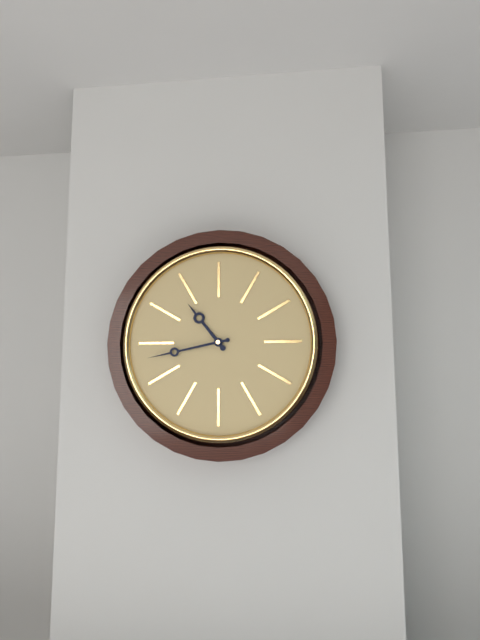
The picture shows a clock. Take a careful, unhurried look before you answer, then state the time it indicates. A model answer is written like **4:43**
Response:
**10:43**
